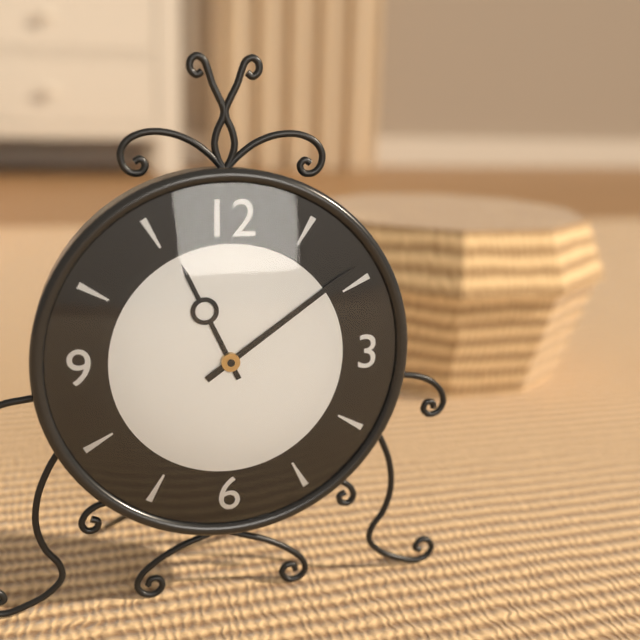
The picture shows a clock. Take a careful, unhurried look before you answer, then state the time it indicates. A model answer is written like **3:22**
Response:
**11:09**
